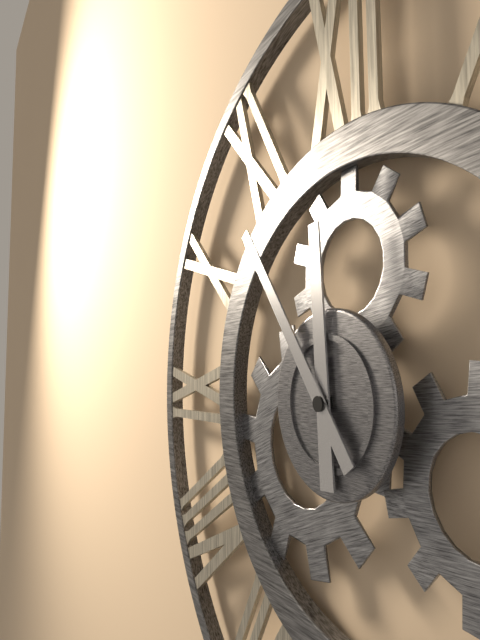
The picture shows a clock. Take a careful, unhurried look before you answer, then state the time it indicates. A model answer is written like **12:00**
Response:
**11:54**
